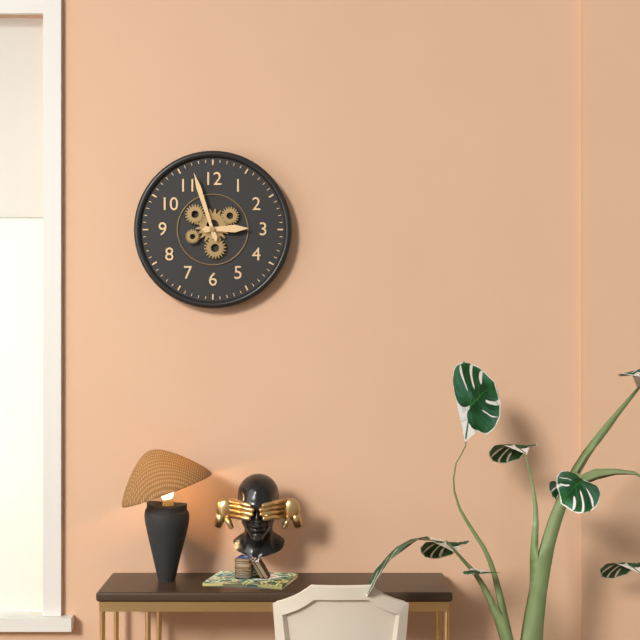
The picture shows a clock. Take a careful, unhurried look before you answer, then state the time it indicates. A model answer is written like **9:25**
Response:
**2:57**
